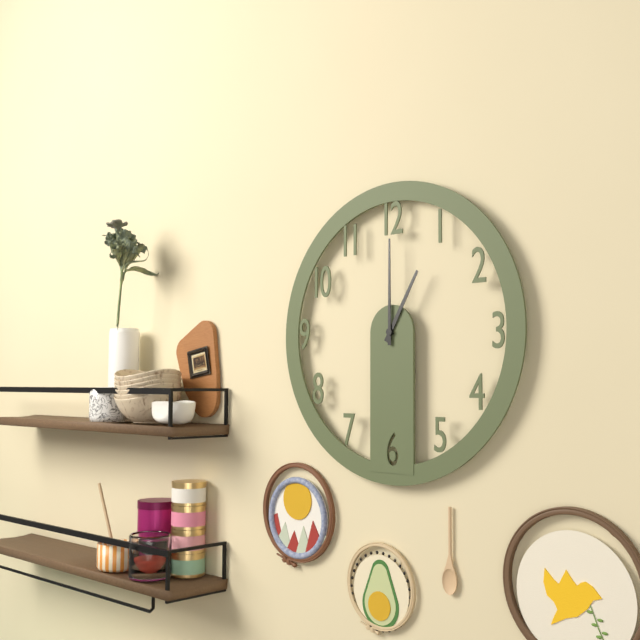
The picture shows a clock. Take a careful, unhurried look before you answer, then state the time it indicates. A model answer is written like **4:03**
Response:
**1:00**
